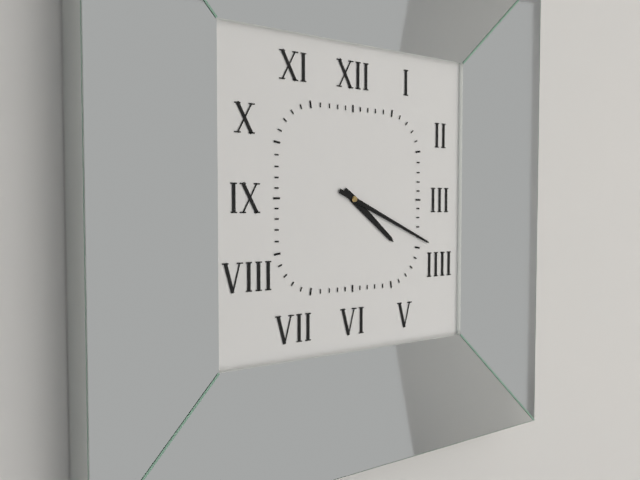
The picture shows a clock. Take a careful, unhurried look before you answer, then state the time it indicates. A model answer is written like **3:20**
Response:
**4:19**
